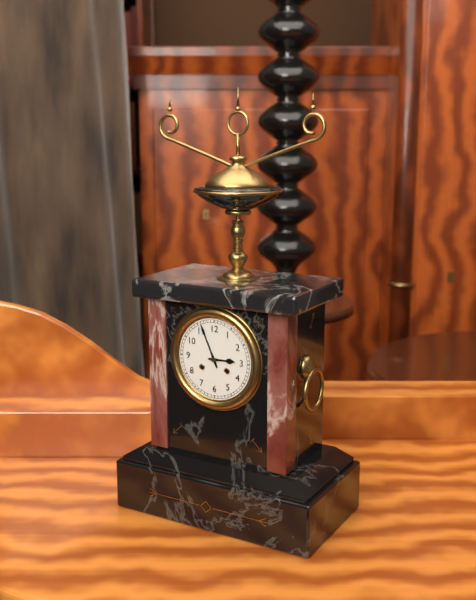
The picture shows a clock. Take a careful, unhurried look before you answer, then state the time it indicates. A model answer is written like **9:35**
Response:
**2:56**
